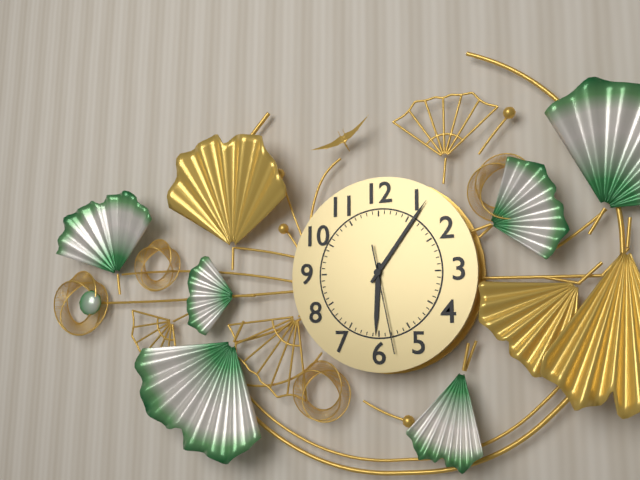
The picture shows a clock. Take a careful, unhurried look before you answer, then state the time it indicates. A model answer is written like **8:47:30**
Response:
**6:06:28**
